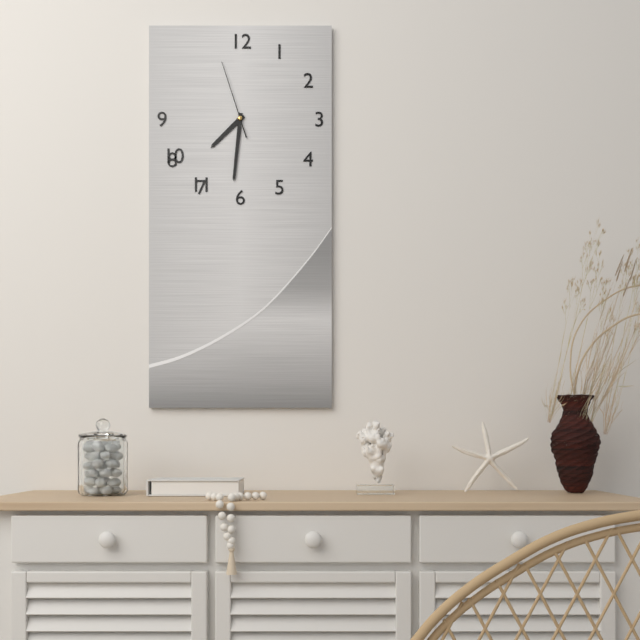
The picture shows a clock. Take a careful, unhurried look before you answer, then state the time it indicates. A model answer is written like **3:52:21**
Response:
**7:31:57**
